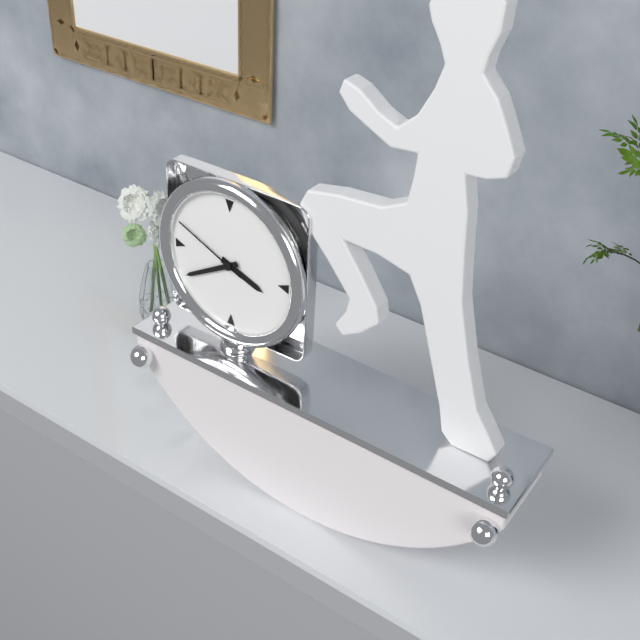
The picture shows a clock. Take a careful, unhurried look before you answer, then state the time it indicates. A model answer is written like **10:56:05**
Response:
**3:40:49**
